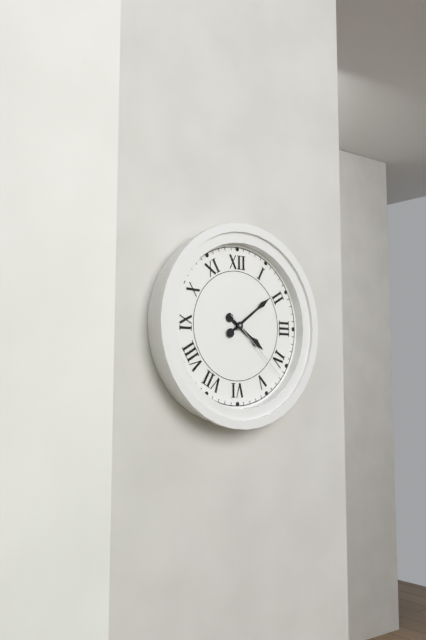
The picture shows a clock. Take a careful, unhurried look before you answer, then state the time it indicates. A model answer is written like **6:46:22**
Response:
**4:09:22**
